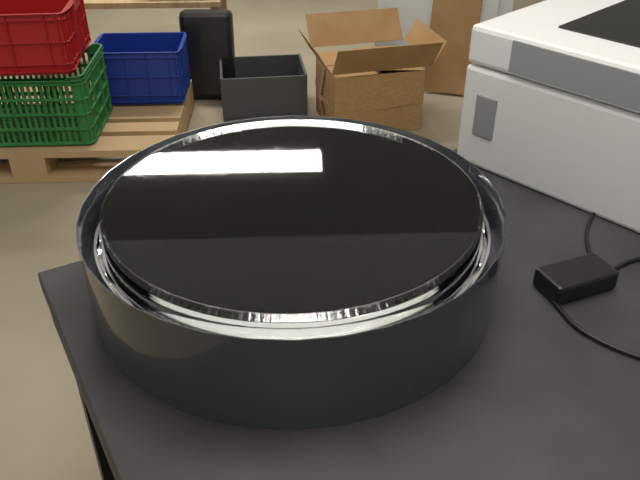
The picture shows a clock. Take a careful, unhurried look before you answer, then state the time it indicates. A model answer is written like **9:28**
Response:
**10:50**
